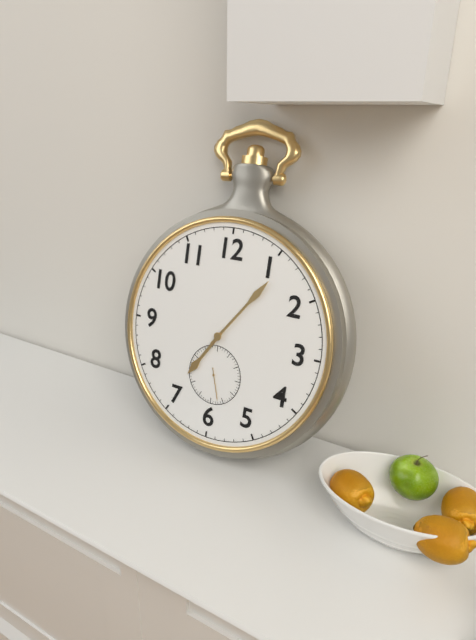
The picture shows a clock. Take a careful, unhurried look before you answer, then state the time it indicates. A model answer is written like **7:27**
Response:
**7:06**
